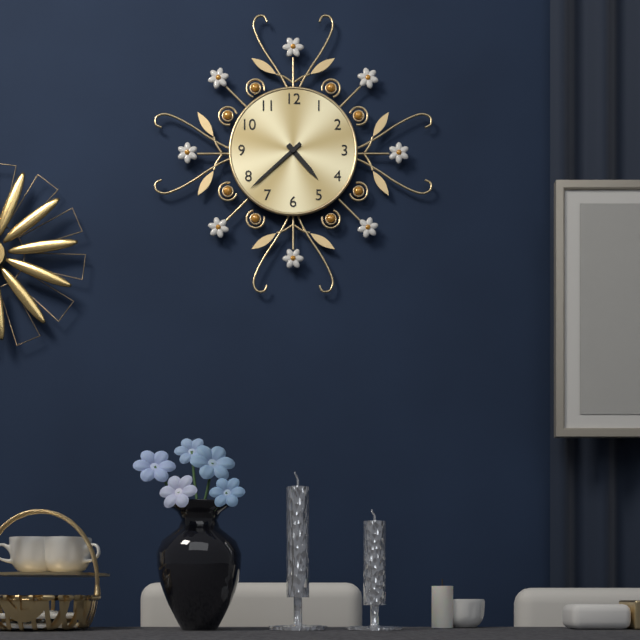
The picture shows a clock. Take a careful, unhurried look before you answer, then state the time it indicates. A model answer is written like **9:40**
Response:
**4:38**
